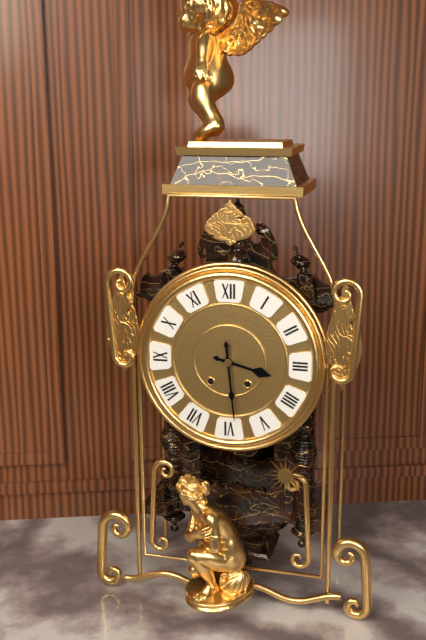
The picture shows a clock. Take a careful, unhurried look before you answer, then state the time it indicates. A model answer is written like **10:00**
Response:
**3:29**
